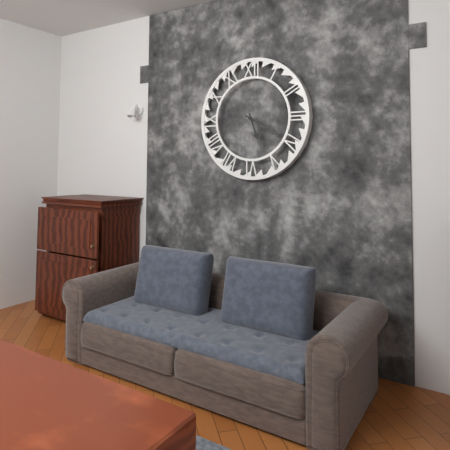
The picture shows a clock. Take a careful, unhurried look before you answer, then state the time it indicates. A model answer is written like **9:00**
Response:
**5:20**
